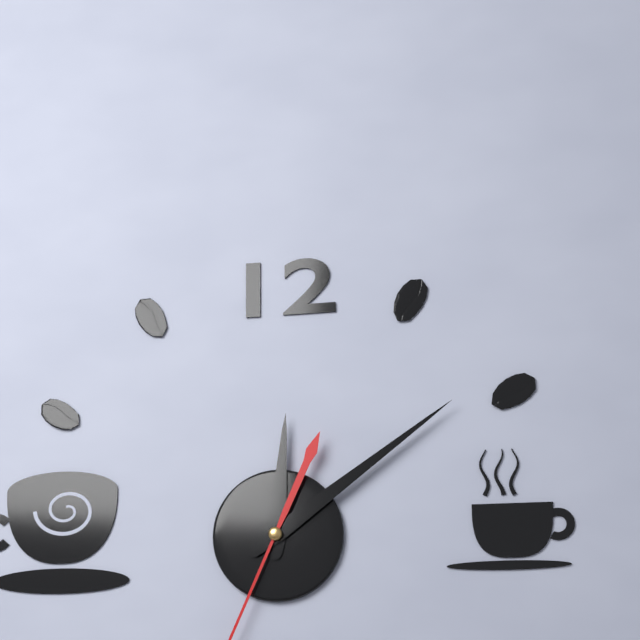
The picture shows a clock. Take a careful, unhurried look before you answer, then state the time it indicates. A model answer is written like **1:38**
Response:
**12:09**
